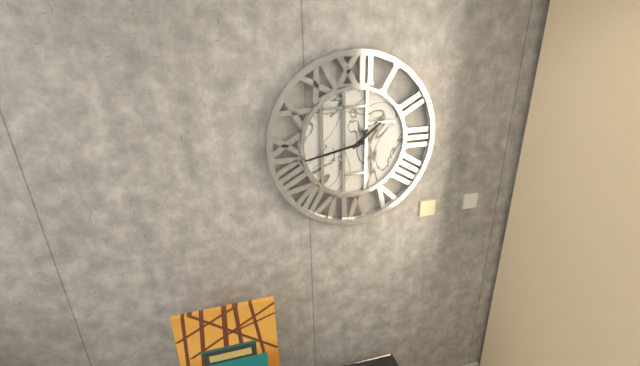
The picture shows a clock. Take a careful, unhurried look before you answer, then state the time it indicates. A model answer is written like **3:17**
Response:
**1:43**
